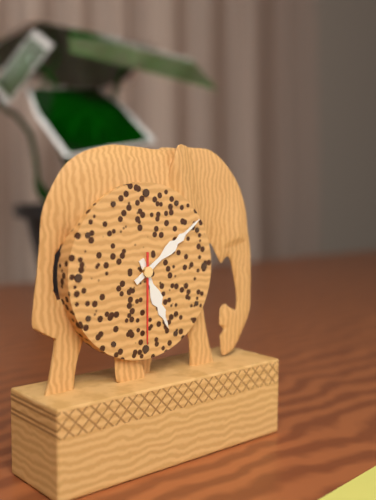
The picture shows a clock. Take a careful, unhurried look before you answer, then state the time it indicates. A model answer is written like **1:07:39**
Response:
**5:09:30**
